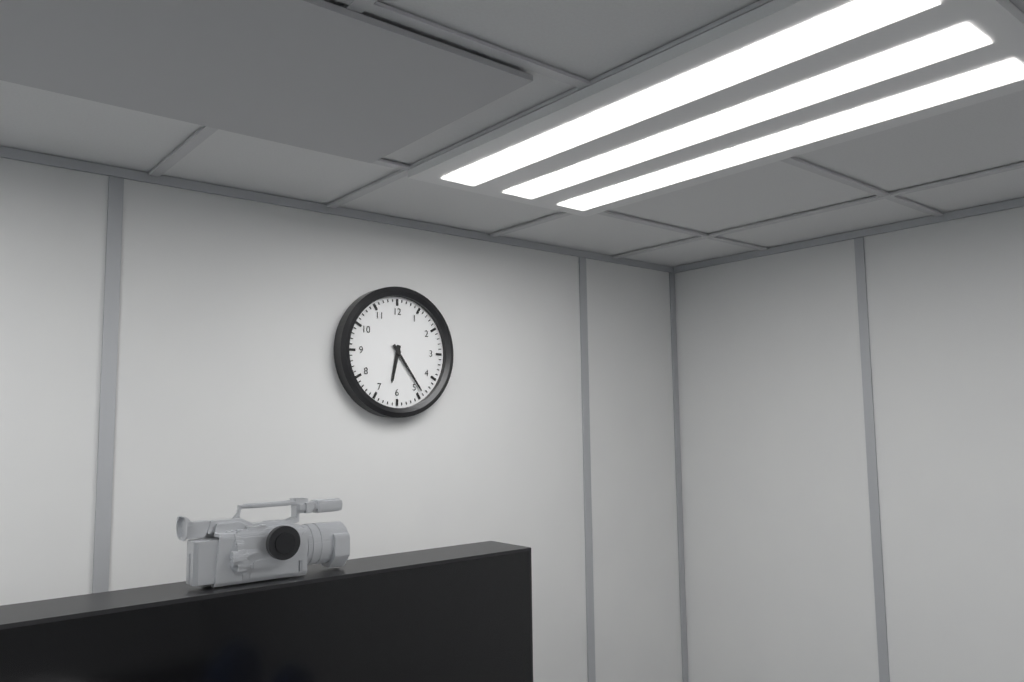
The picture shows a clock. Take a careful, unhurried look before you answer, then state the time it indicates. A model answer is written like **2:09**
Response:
**6:24**
